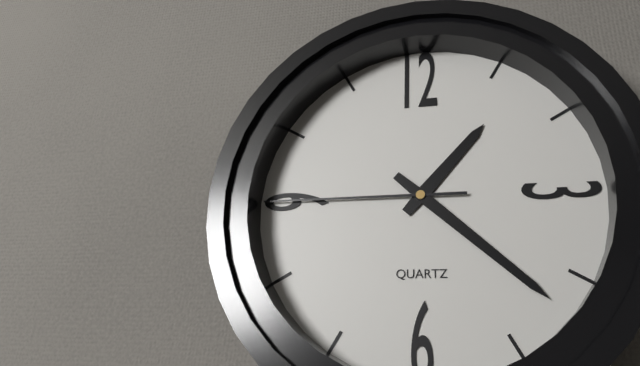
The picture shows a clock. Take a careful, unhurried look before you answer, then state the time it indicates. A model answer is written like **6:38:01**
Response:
**1:22:45**
